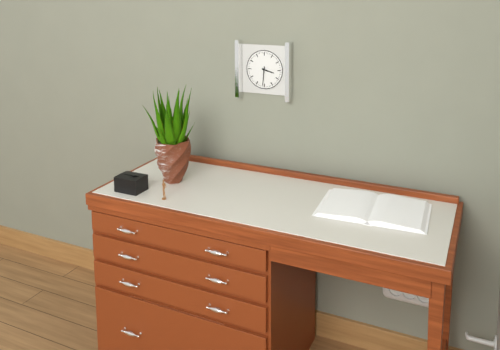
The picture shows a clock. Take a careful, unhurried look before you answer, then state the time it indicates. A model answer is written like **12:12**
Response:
**3:31**
